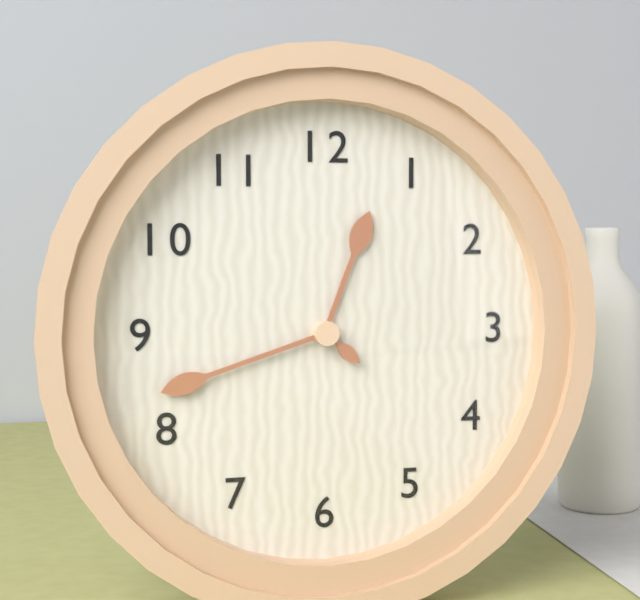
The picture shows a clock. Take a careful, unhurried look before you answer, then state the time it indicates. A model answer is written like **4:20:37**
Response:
**12:42:22**
